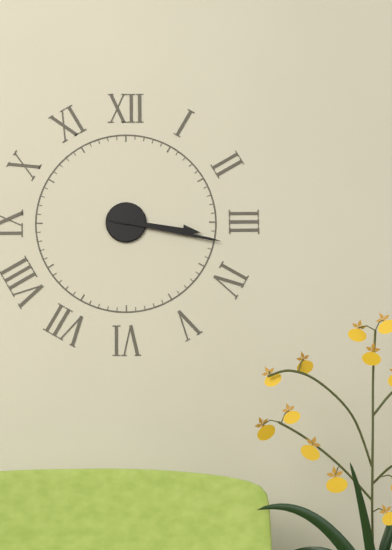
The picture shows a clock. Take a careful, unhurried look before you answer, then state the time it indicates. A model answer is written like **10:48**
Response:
**3:17**
